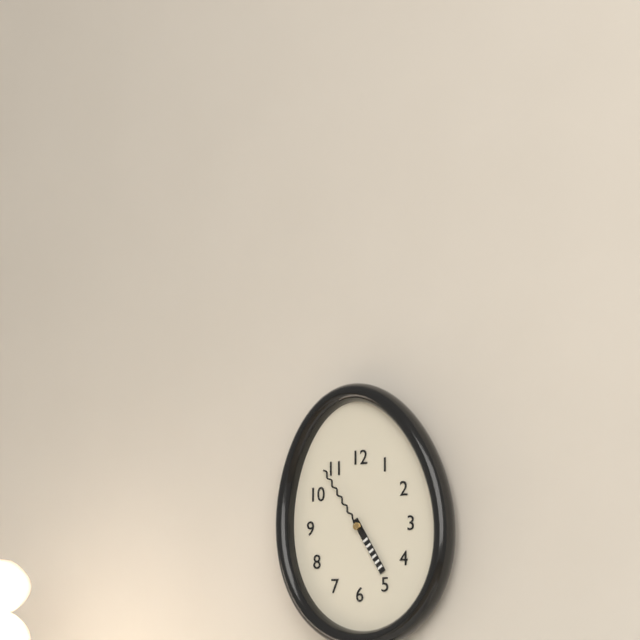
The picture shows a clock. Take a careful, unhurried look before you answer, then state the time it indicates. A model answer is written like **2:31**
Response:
**4:54**
